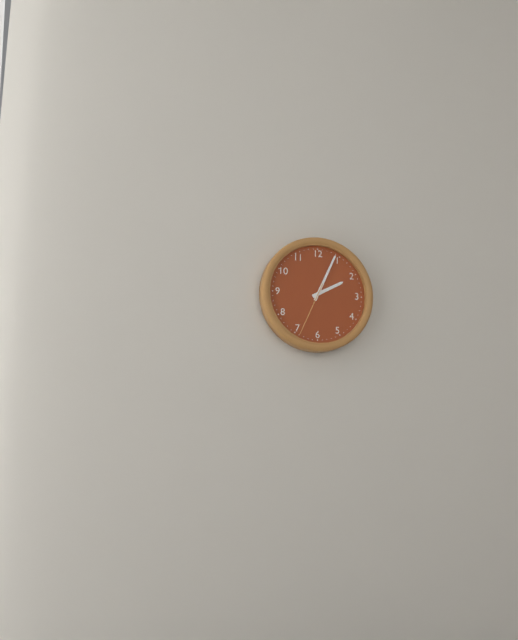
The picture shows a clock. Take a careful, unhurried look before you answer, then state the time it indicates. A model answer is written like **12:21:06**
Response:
**2:04:34**
